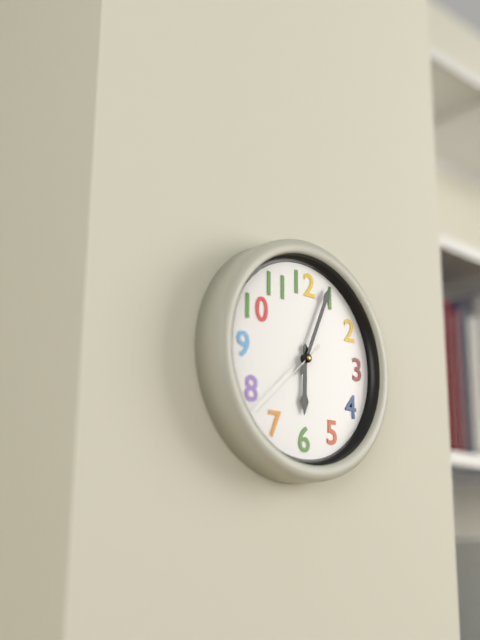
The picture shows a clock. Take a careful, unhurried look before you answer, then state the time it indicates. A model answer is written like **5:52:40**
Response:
**6:04:38**
